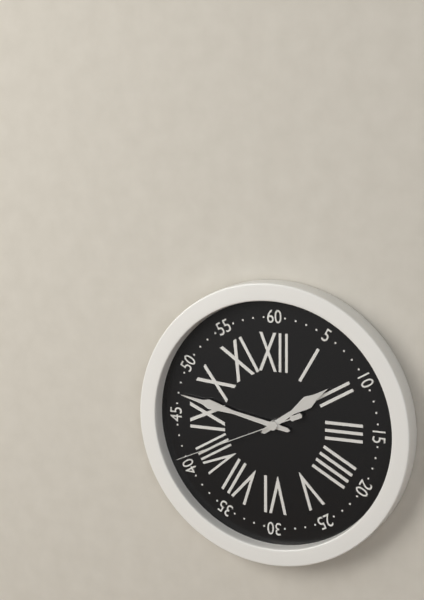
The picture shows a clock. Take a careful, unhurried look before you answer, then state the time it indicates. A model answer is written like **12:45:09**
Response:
**1:47:41**
